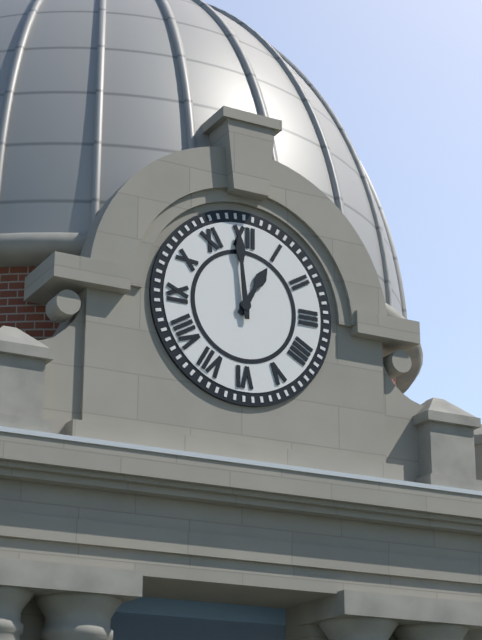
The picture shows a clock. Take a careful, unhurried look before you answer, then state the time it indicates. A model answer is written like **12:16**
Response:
**12:59**
